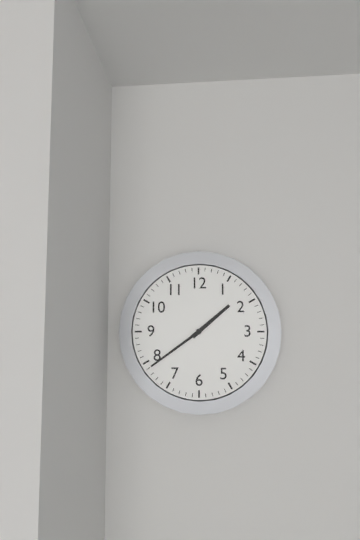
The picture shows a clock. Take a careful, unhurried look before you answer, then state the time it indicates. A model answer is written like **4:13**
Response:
**1:39**
